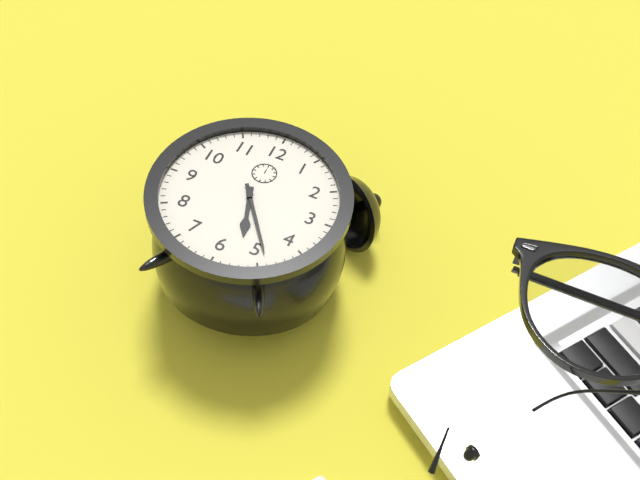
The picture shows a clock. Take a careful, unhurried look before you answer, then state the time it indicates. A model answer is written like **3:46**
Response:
**5:24**
